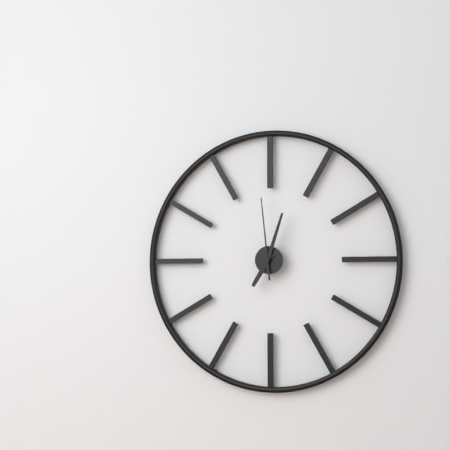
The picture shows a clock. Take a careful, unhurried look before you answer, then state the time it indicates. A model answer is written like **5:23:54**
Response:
**7:03:59**
